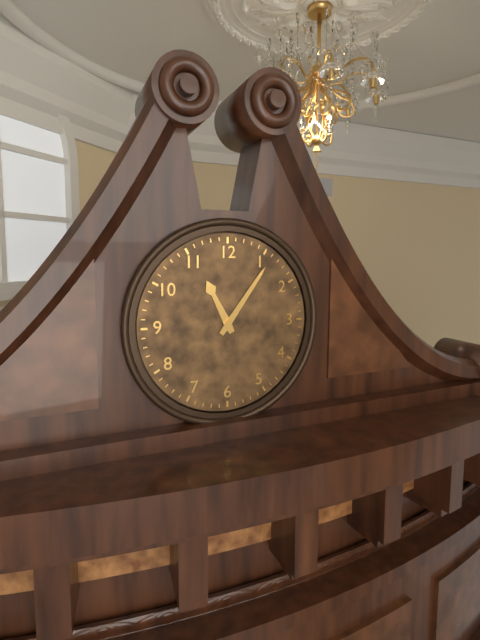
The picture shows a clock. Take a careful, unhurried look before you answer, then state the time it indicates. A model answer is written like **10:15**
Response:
**11:06**
